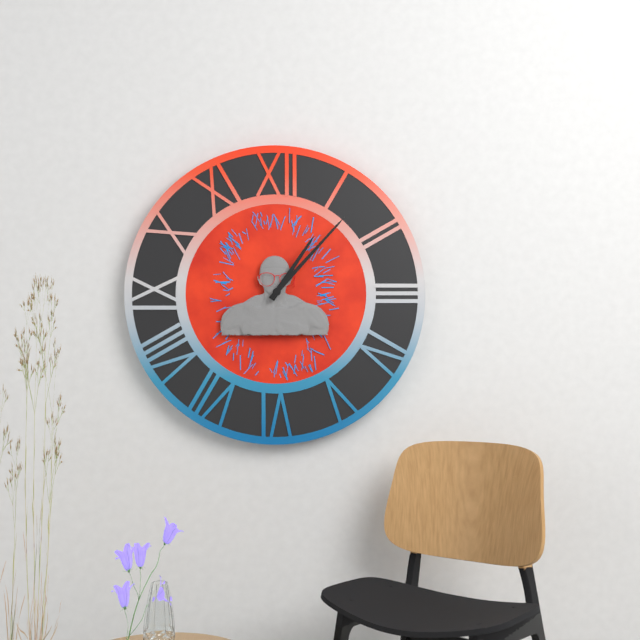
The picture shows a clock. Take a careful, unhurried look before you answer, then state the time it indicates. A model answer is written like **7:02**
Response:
**1:07**
